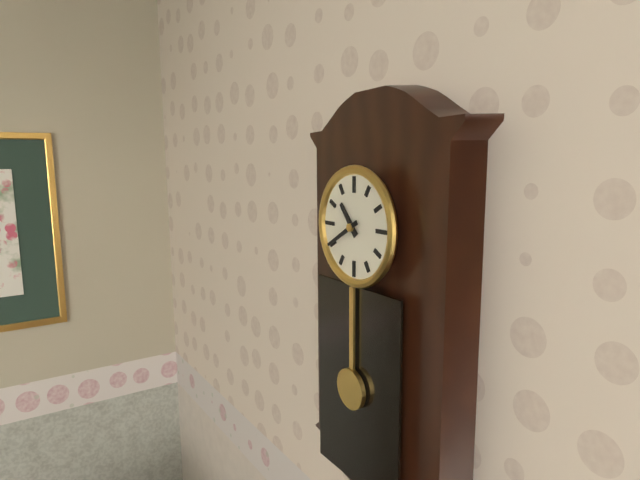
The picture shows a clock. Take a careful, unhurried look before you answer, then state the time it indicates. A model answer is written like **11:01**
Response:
**10:40**
